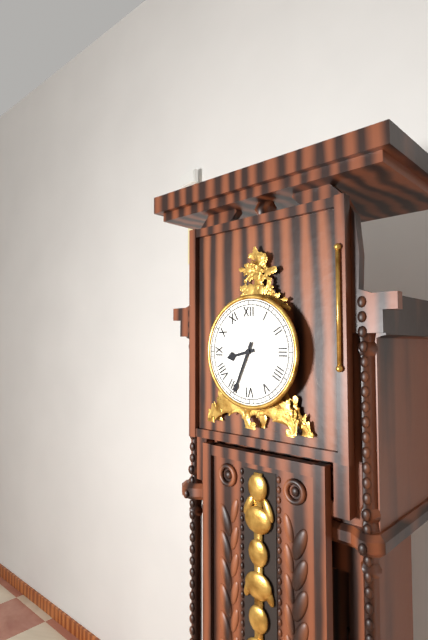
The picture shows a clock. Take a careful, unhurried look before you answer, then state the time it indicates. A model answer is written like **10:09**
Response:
**8:34**
